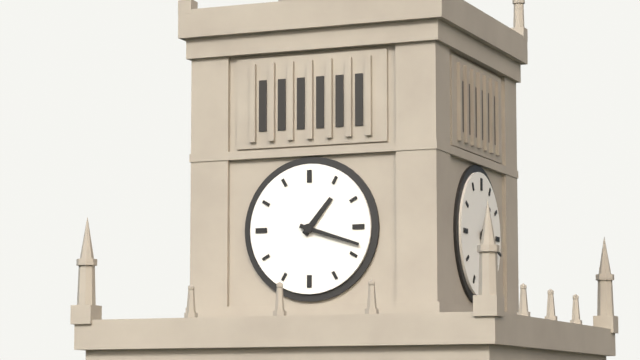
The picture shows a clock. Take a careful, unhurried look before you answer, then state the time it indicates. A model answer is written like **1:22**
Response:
**1:18**
